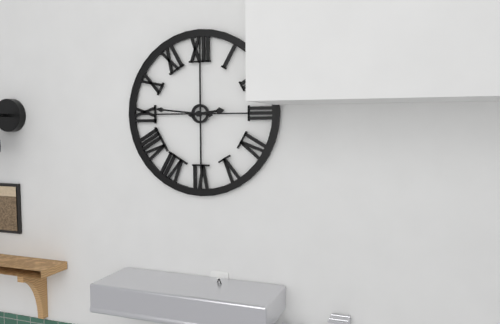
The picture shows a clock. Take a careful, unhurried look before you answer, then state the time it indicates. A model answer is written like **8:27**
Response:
**2:46**
